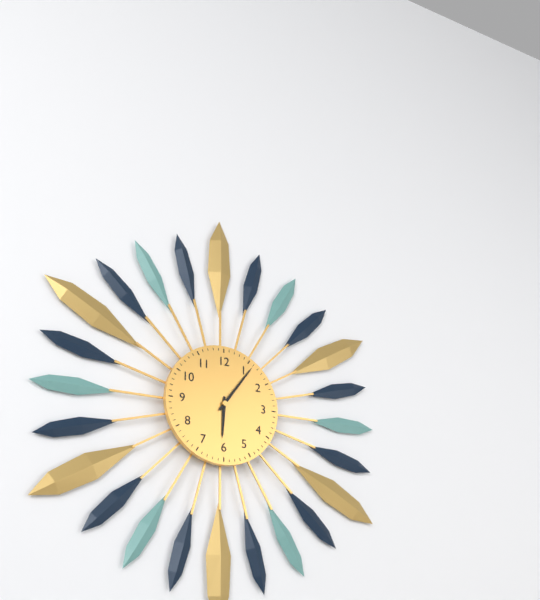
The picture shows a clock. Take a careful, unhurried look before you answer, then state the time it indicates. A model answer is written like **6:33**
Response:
**6:06**
